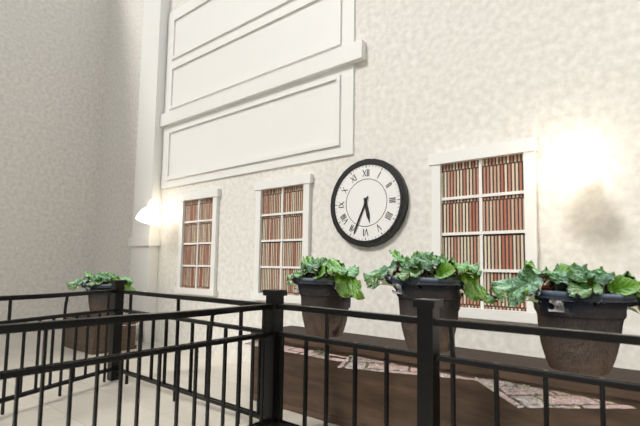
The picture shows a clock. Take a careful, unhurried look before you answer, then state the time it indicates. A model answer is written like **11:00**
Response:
**5:34**
